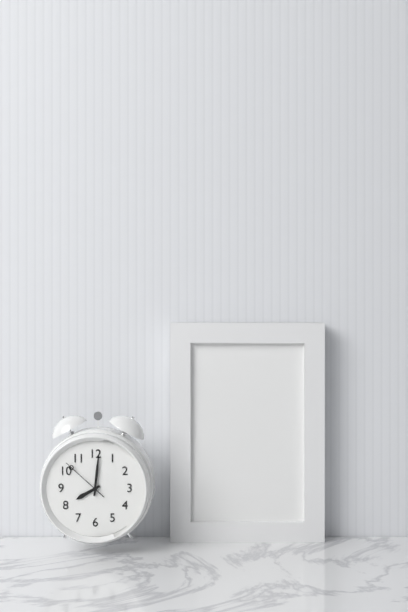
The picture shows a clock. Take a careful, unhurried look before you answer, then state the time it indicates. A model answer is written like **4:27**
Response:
**8:01**
